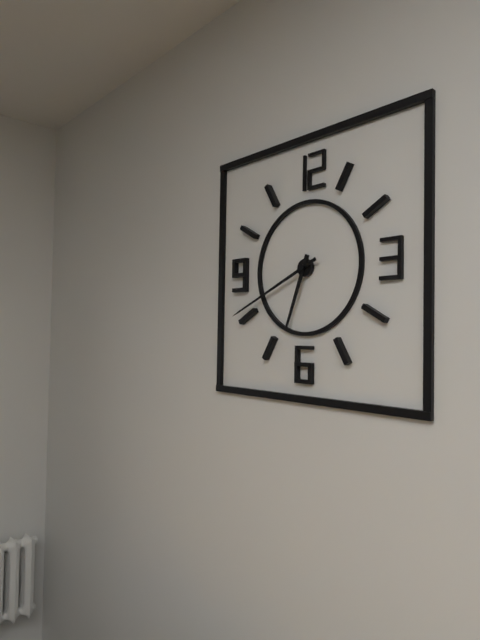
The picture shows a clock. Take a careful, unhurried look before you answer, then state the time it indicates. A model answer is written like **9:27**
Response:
**6:41**
